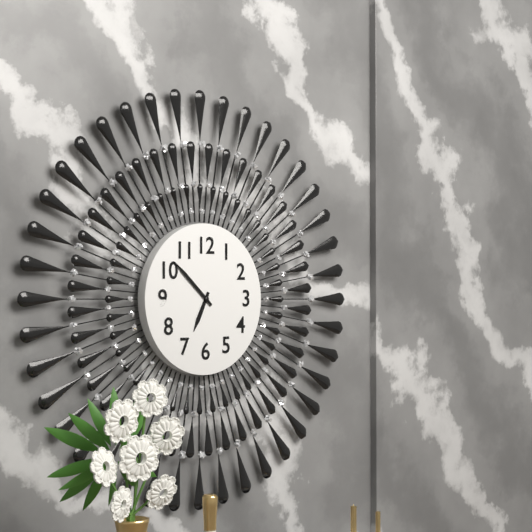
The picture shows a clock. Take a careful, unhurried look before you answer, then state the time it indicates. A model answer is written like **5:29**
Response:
**6:52**
